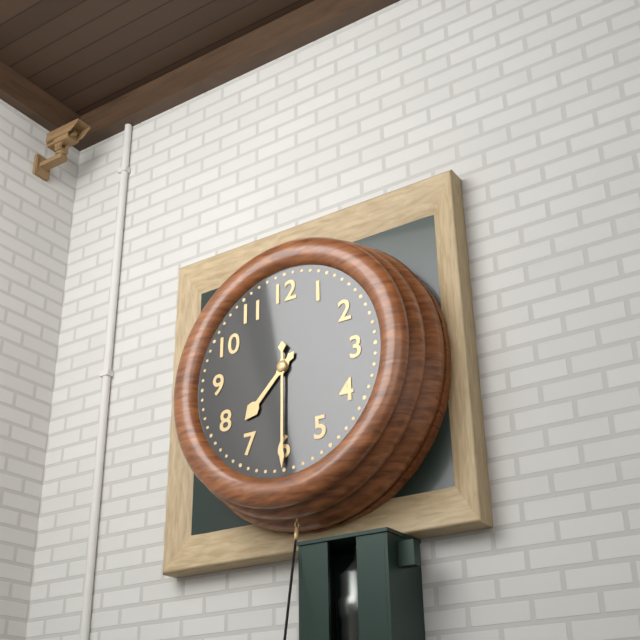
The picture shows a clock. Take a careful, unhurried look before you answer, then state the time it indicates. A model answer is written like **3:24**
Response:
**7:30**
